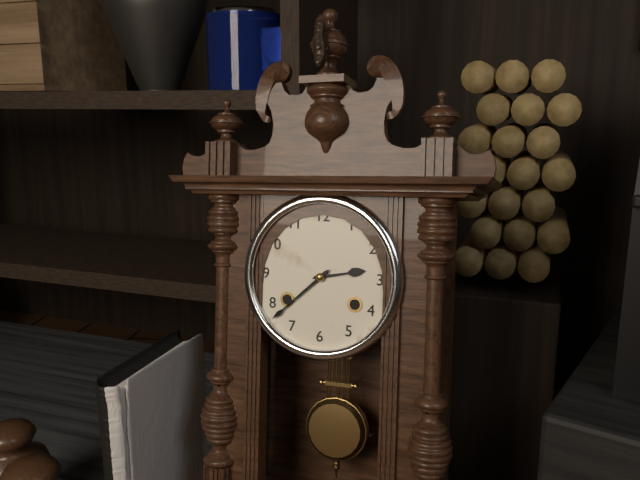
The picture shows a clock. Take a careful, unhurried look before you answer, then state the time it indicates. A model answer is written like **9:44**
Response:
**2:38**
